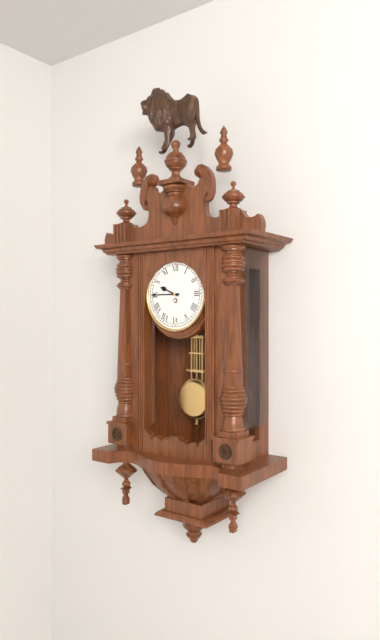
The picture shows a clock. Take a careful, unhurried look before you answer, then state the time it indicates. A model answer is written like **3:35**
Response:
**9:45**
